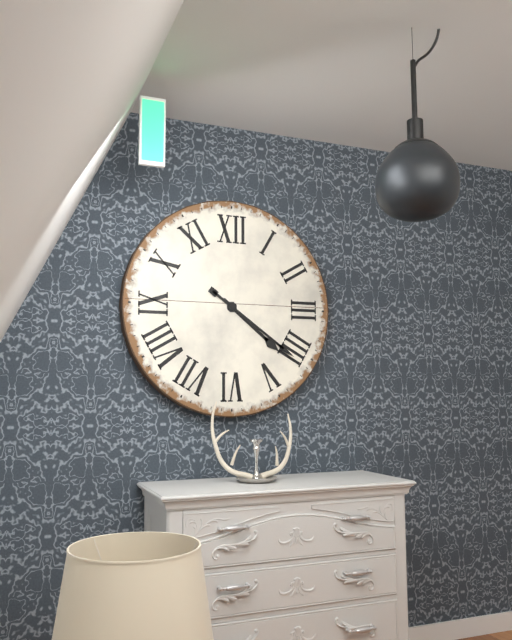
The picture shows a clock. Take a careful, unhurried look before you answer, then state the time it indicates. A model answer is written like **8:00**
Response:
**4:21**
